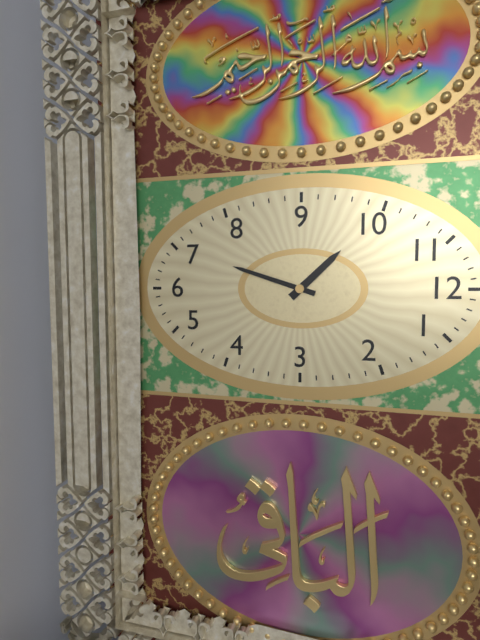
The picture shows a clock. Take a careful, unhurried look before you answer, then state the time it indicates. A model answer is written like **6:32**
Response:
**10:33**
